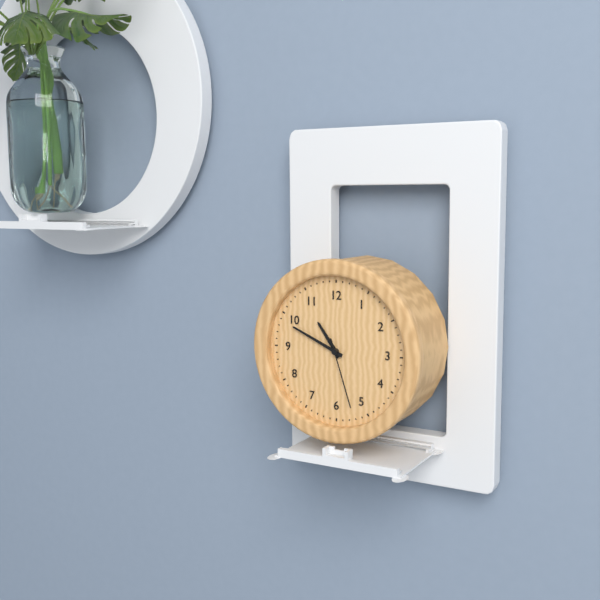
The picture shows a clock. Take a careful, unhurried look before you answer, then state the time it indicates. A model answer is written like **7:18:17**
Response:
**10:49:27**
